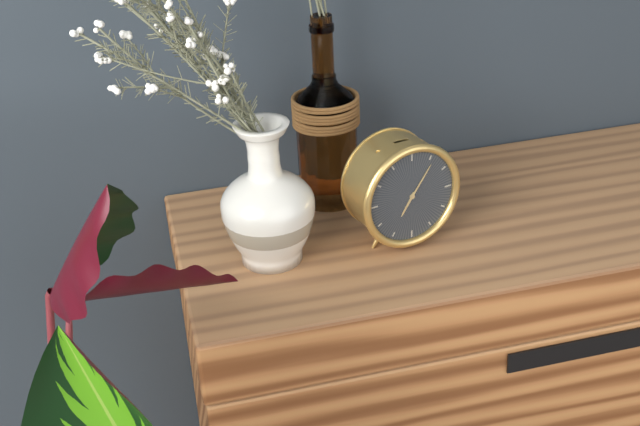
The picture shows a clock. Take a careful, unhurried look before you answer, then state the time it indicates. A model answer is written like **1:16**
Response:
**7:06**
